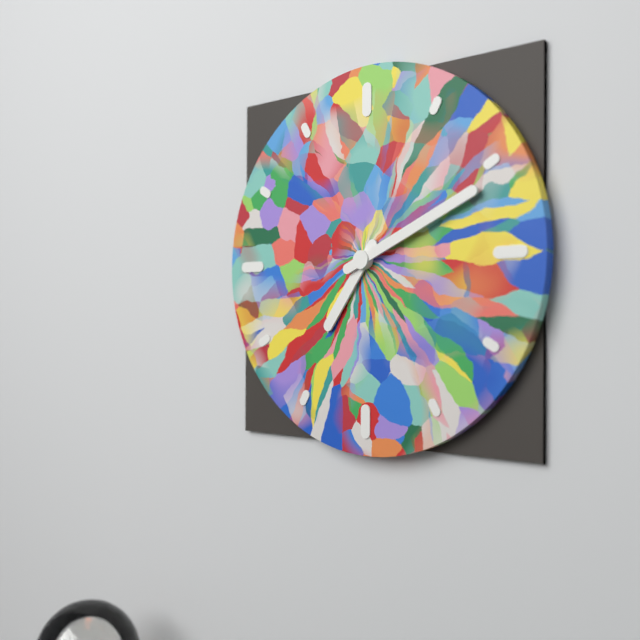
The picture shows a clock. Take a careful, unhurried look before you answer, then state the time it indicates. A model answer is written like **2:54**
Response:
**7:11**
